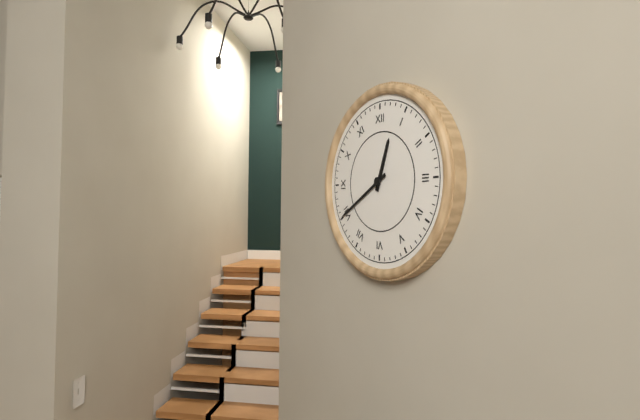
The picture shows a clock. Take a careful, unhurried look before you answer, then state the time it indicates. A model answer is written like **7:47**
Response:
**12:40**
